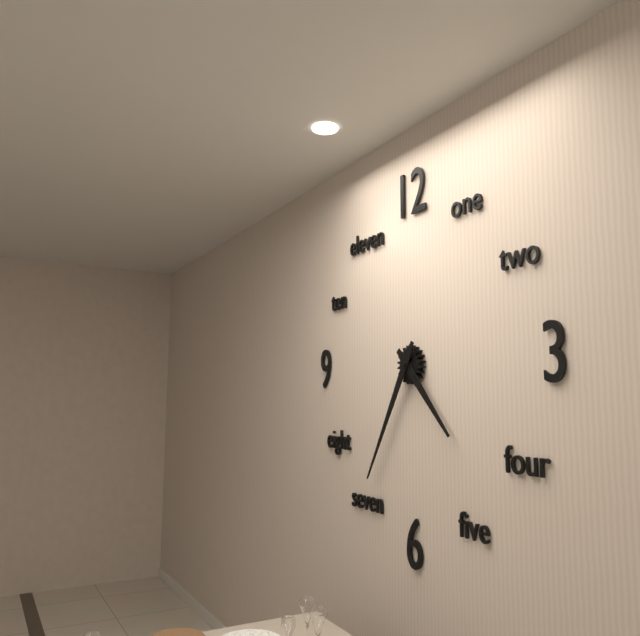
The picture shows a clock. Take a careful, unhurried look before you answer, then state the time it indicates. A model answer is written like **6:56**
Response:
**4:35**
